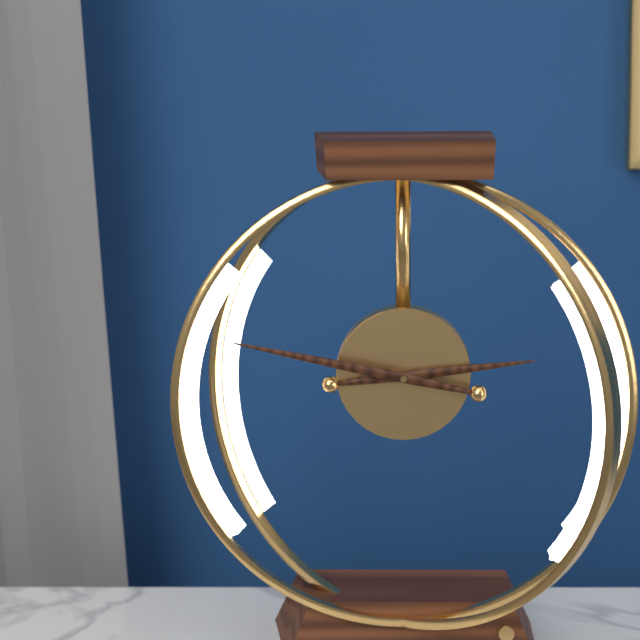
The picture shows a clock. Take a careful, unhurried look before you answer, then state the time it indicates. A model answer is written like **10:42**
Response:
**2:47**
